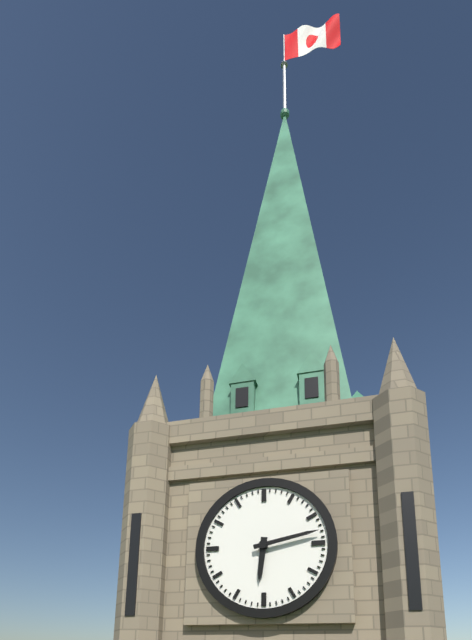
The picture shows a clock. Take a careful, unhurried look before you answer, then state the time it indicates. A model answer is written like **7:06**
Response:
**6:13**
